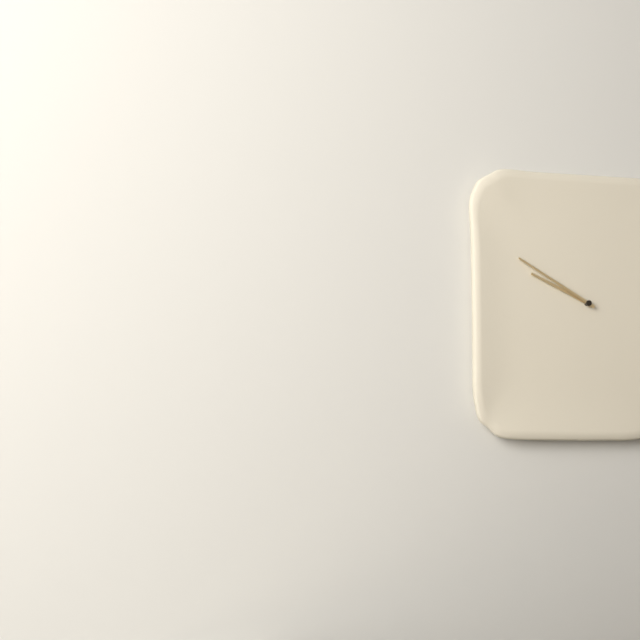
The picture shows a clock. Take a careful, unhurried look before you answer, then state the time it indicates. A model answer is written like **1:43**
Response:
**9:50**
